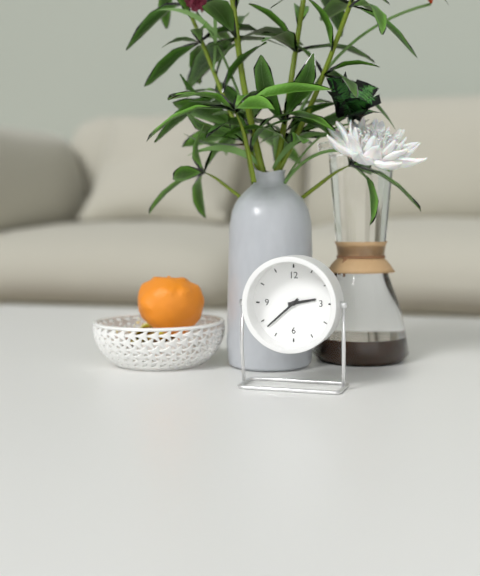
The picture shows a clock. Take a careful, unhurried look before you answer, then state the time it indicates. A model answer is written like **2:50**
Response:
**2:38**
